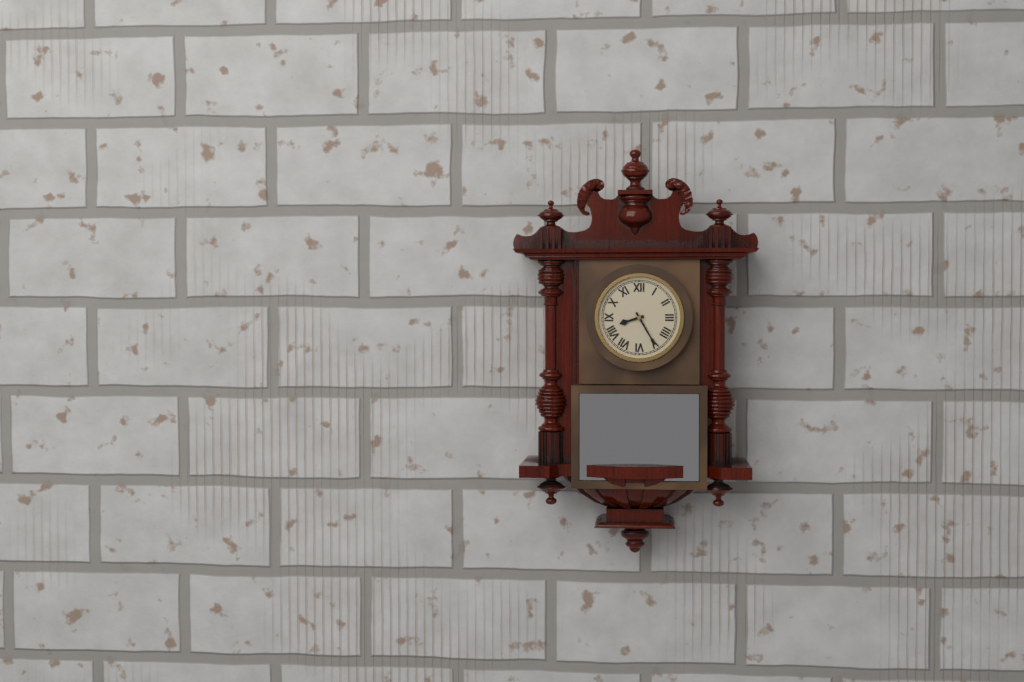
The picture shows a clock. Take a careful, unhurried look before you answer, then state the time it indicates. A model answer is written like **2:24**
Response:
**8:25**
